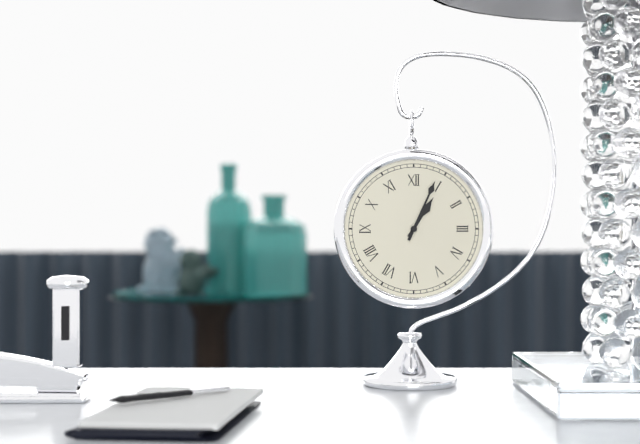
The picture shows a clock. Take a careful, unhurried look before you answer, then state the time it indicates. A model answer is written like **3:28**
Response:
**1:04**
